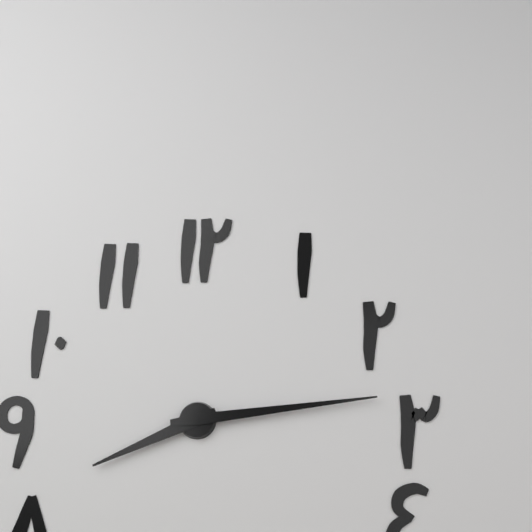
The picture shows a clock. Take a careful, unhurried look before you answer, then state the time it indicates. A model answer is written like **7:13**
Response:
**8:14**
